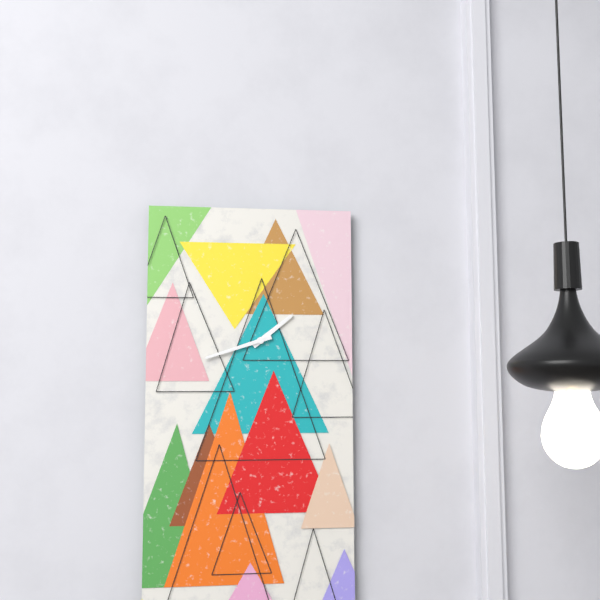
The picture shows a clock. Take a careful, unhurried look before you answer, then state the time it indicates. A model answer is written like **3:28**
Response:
**1:42**
